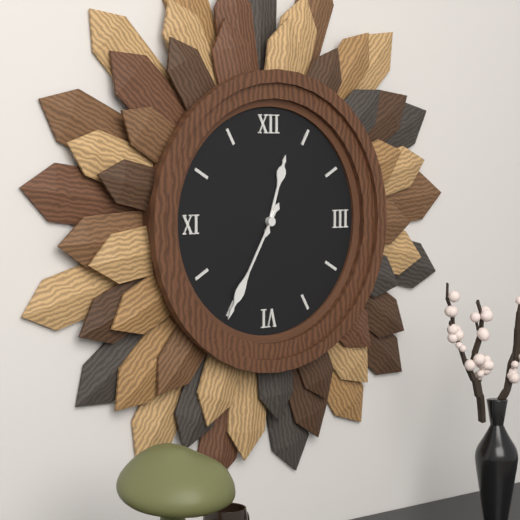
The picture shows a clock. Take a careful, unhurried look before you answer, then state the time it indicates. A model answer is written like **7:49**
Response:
**12:35**
